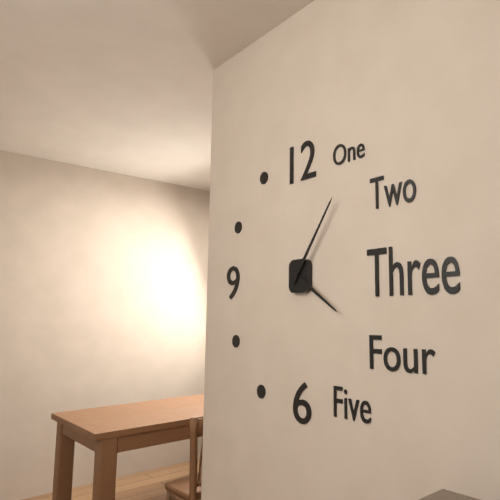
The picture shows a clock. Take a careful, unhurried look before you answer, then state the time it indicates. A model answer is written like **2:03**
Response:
**4:06**
